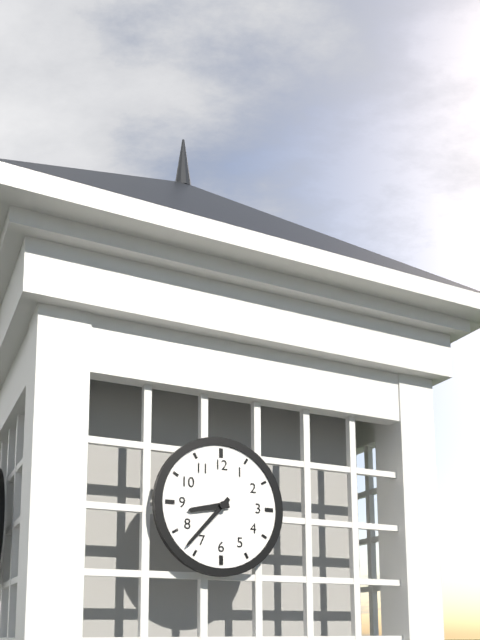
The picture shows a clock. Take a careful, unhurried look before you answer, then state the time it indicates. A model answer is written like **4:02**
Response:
**8:37**
